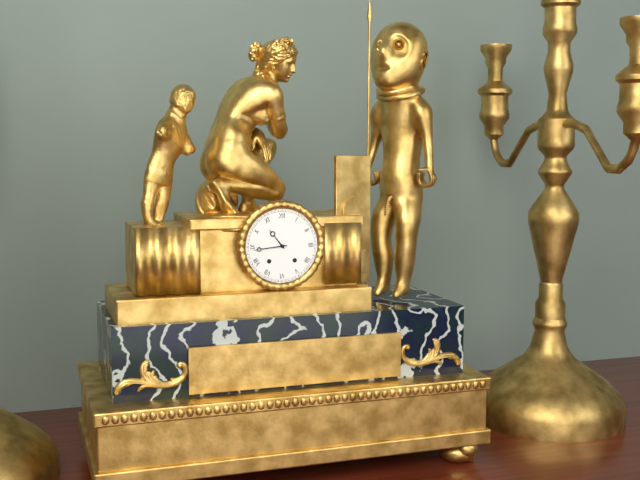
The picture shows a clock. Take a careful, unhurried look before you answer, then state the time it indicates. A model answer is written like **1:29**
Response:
**10:44**
